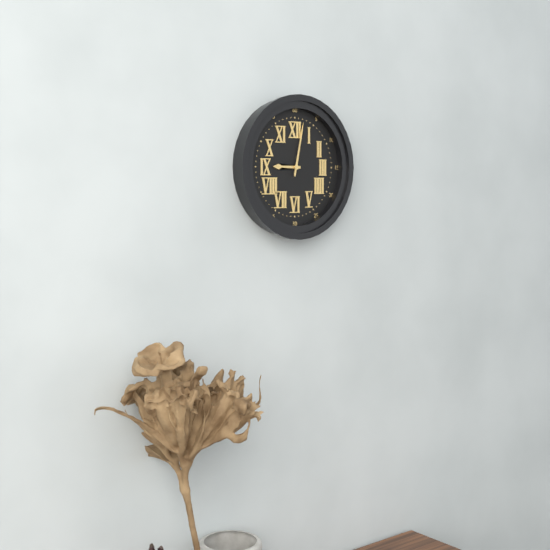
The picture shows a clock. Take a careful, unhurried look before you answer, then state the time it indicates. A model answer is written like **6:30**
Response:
**9:02**
